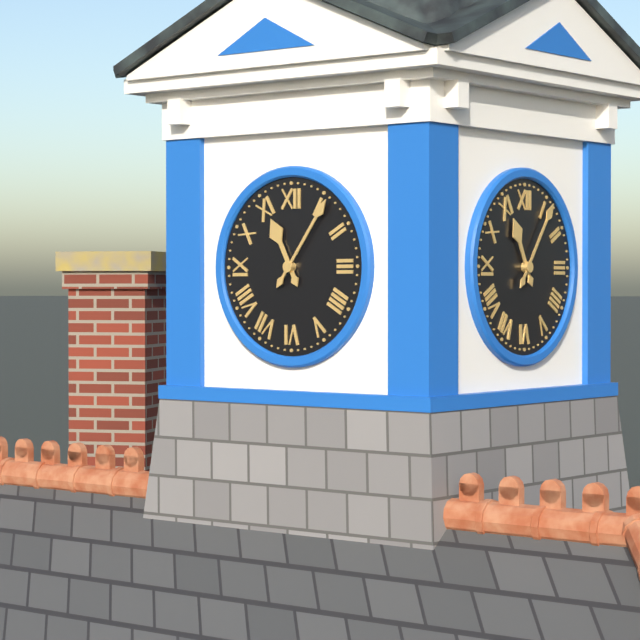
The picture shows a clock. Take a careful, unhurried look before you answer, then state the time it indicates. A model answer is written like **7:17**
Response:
**11:06**
